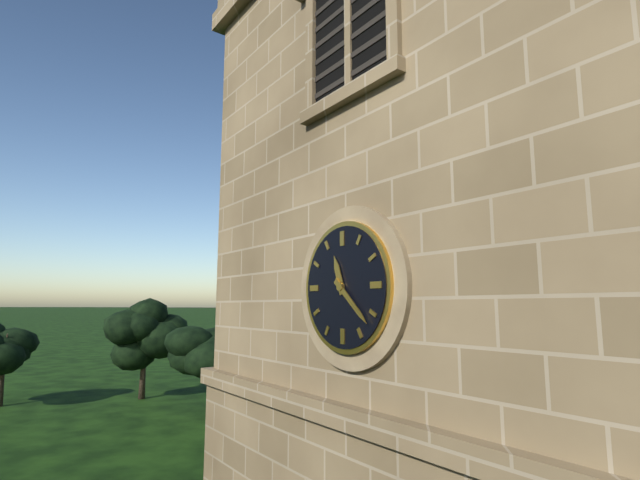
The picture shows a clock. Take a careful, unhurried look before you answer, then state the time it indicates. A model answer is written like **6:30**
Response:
**11:22**
